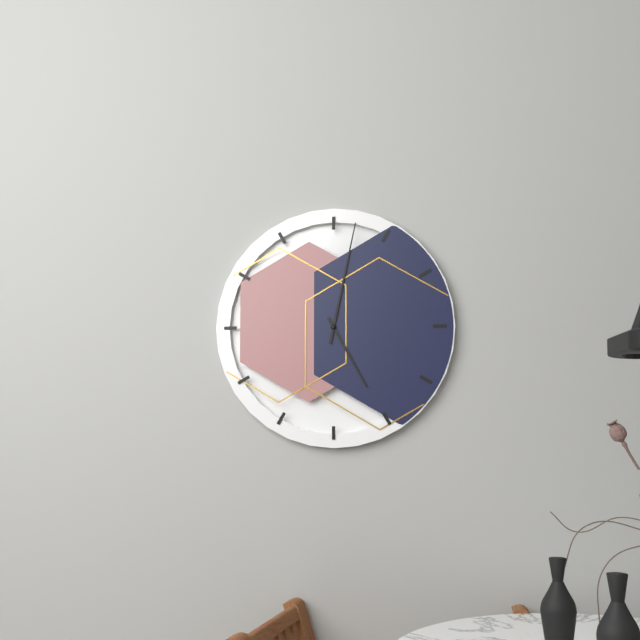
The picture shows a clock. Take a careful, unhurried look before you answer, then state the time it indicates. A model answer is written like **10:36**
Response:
**5:02**
